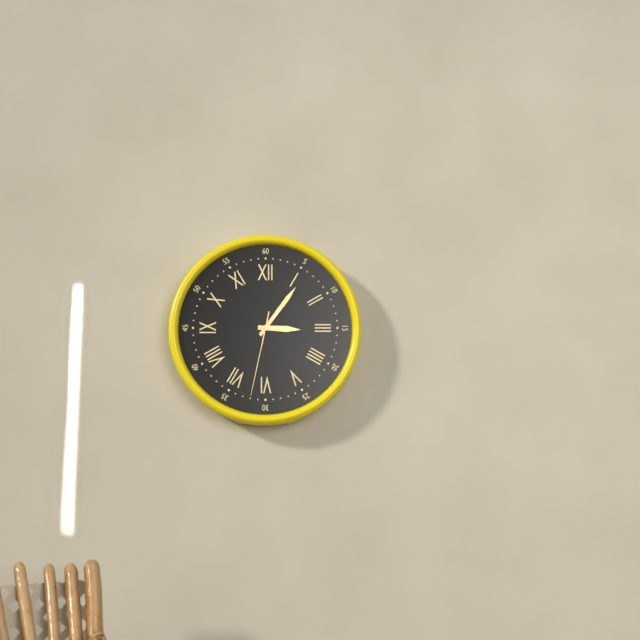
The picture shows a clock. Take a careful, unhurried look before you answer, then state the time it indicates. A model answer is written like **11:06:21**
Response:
**3:06:32**
